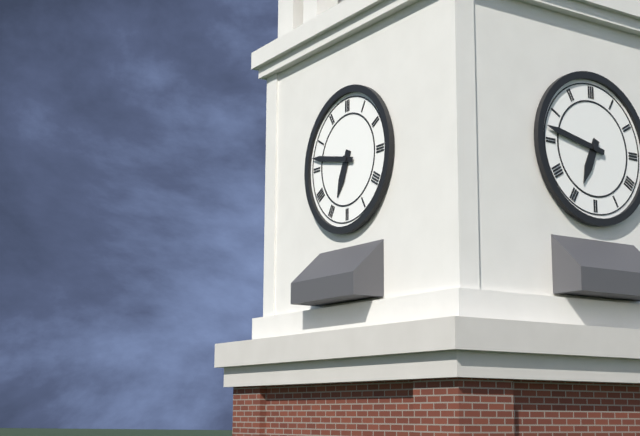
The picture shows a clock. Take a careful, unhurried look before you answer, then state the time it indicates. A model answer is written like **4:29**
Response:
**6:47**
